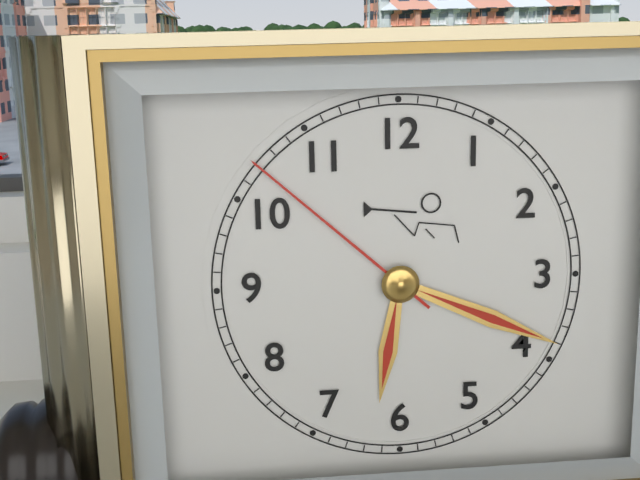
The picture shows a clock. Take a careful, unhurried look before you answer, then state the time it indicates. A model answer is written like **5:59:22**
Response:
**6:19:52**
